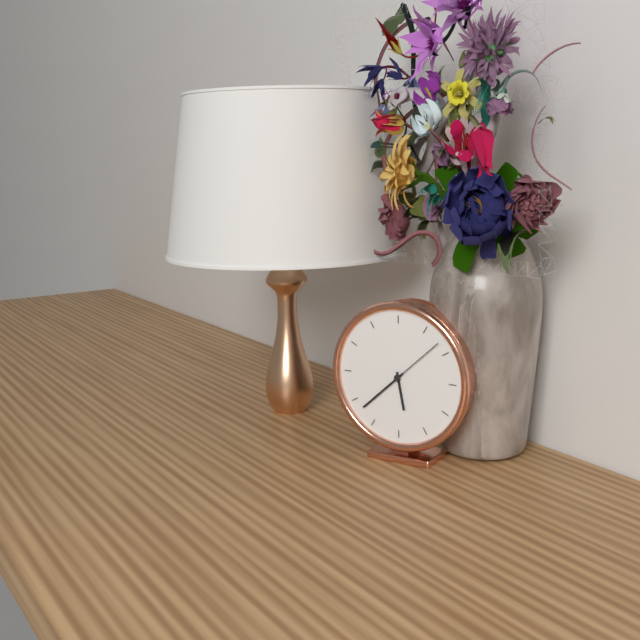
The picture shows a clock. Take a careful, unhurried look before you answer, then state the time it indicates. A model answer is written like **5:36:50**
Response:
**5:38:08**
